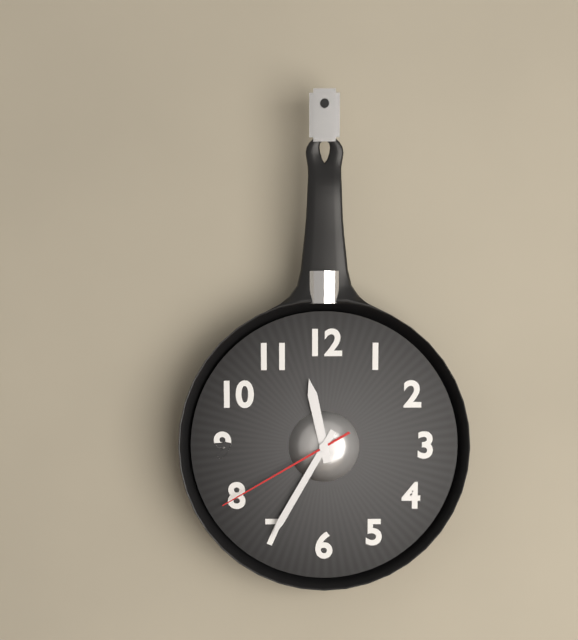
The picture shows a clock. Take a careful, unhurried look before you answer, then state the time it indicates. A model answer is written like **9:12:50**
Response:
**11:35:40**
